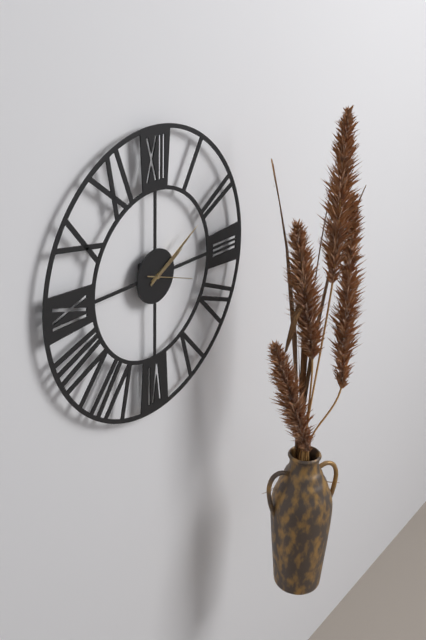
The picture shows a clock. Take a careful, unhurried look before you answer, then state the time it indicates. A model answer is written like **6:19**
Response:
**2:10**
